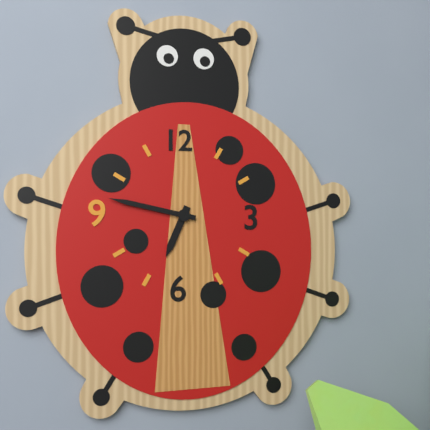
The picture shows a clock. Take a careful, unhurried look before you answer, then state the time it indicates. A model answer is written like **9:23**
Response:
**6:47**
